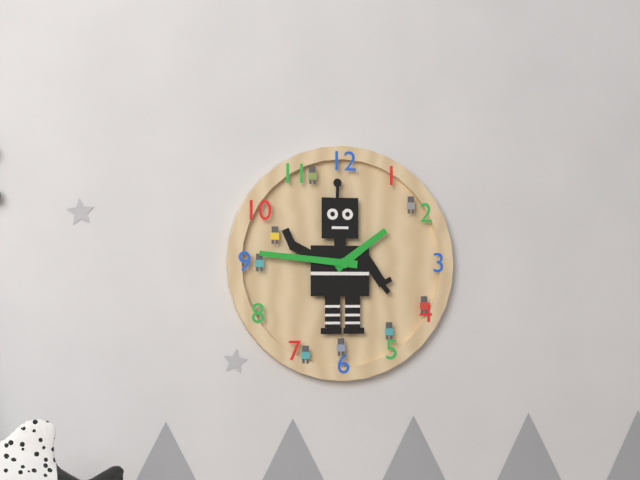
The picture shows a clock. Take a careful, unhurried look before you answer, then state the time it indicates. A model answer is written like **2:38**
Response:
**1:46**
